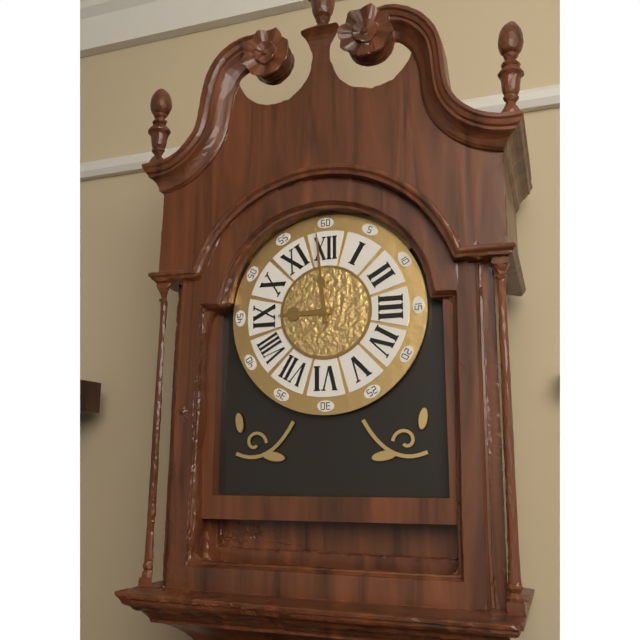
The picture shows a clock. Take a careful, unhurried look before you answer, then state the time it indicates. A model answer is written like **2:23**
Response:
**8:59**
